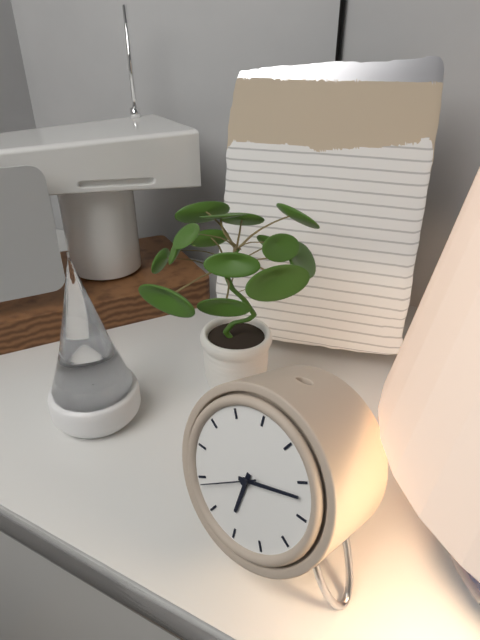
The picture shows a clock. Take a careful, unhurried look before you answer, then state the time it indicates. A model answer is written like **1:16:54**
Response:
**6:12:39**
